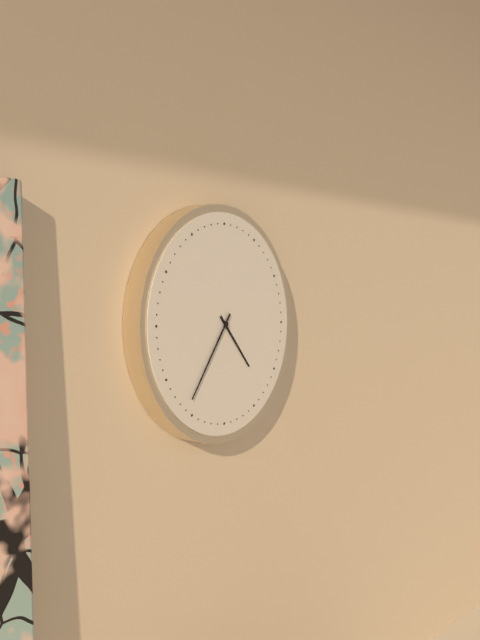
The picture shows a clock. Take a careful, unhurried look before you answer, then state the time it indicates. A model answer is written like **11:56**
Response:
**4:36**
